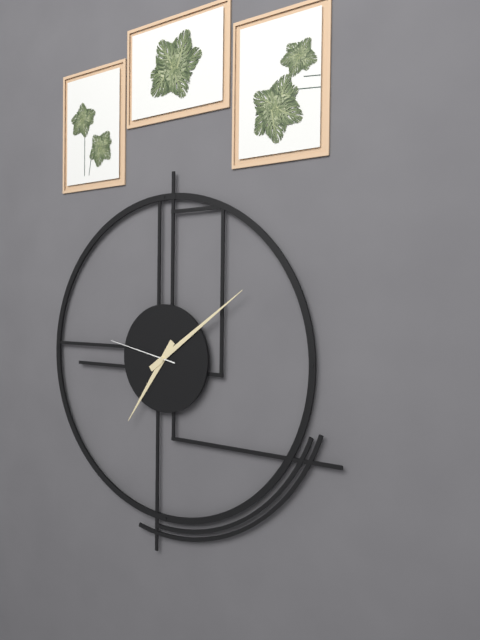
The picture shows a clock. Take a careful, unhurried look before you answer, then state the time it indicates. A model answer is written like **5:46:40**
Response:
**7:09:47**
